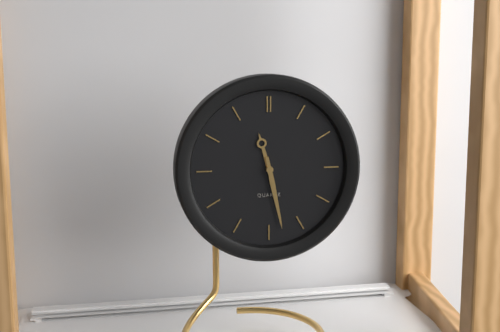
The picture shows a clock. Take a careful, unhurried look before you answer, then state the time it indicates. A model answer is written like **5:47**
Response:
**11:28**
